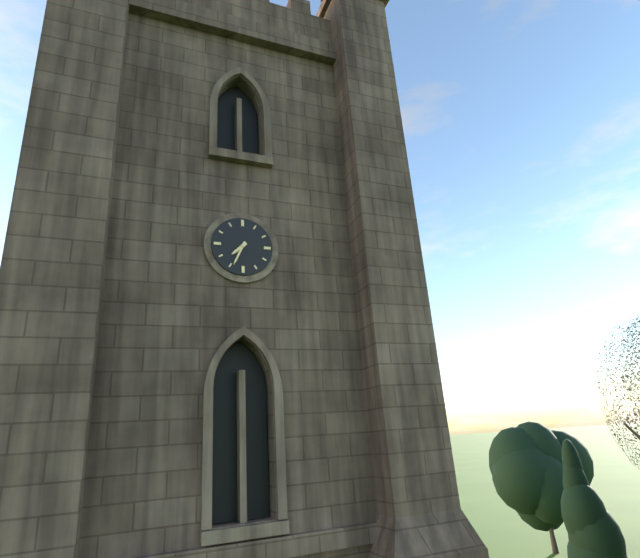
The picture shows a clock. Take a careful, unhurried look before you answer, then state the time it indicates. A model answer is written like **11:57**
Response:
**7:34**
